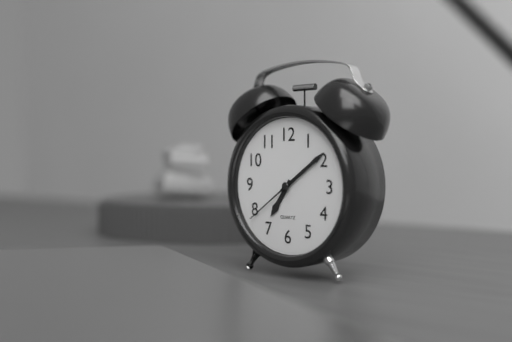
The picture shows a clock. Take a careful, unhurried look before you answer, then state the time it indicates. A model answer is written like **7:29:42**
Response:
**7:09:39**
